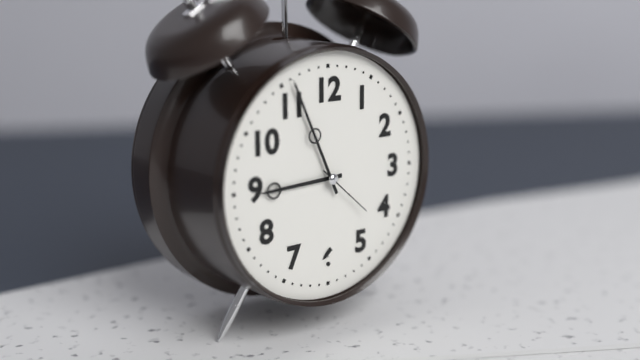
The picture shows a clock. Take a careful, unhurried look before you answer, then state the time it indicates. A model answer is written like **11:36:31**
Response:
**8:56:22**
